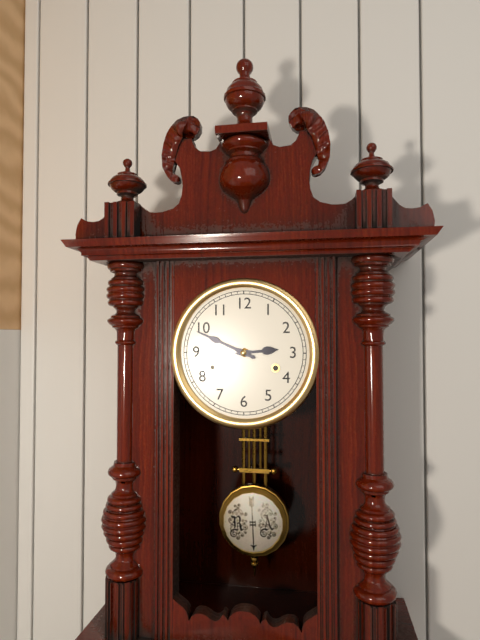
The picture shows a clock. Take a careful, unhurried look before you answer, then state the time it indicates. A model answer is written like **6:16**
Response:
**2:49**
